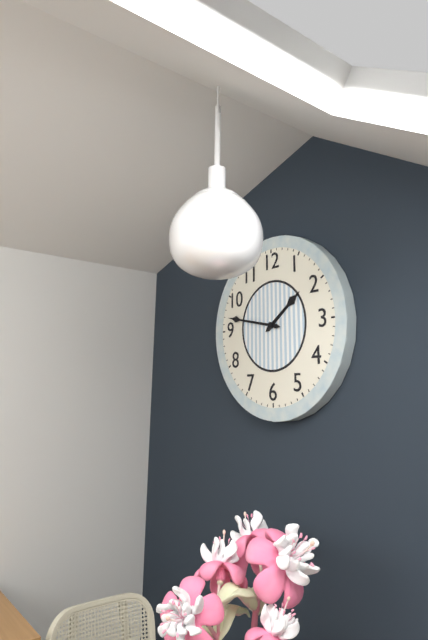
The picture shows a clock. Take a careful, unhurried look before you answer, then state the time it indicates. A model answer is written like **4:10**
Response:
**1:47**
